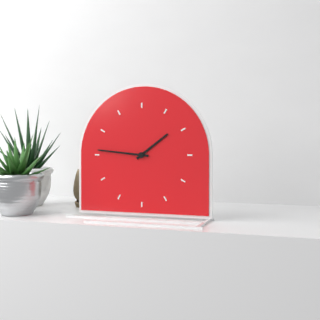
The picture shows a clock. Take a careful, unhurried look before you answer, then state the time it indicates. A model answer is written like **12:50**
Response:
**1:46**
